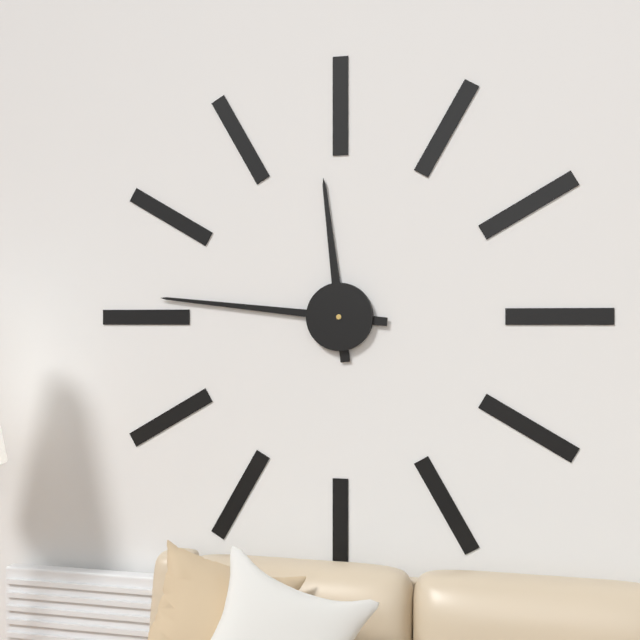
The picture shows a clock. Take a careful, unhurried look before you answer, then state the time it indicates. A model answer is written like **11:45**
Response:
**11:46**
